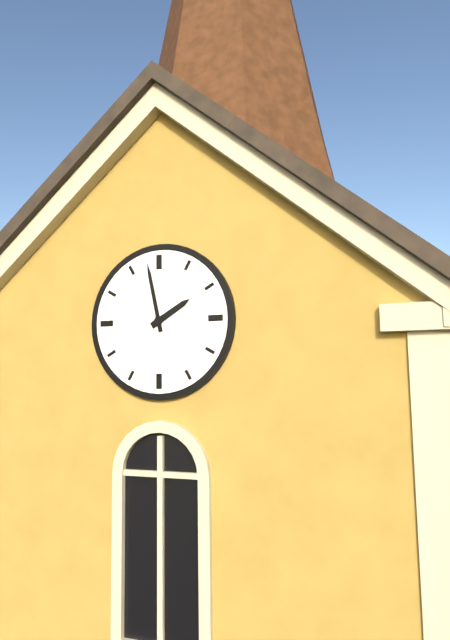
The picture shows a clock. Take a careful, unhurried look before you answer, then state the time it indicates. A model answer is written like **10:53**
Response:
**1:58**
